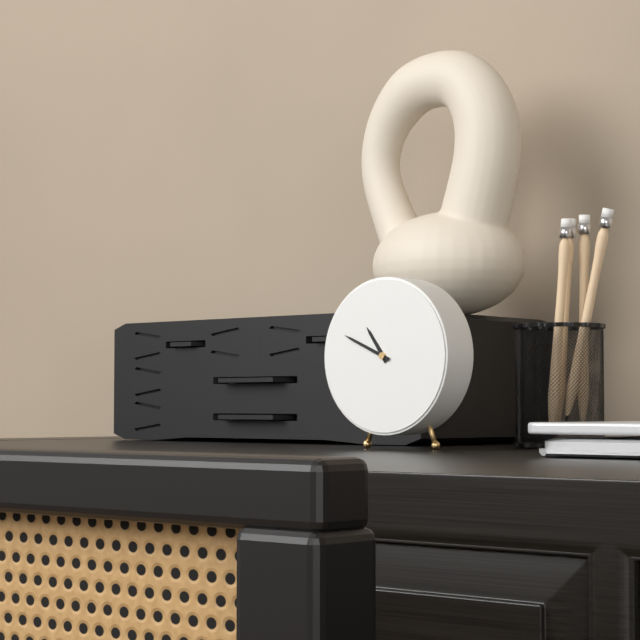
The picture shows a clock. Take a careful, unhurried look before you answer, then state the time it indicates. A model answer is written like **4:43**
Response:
**10:49**
